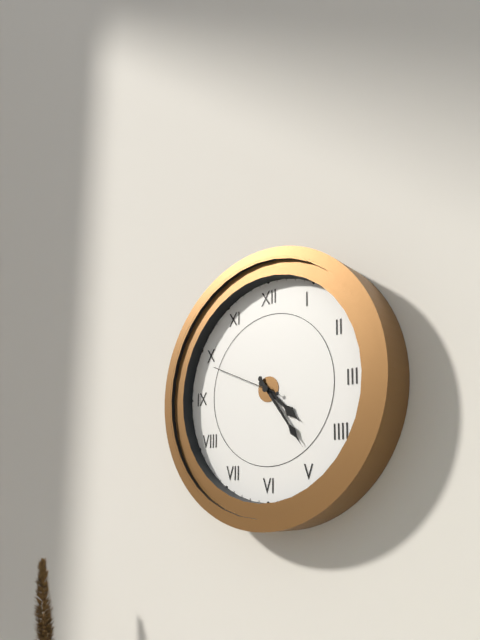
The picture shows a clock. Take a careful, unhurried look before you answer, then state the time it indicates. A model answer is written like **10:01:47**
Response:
**4:24:49**
